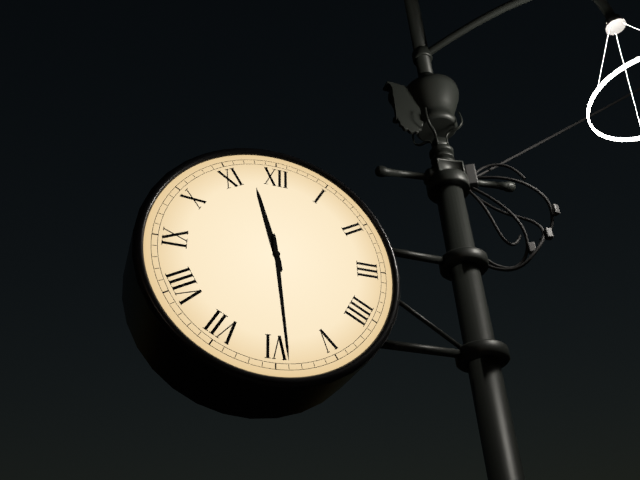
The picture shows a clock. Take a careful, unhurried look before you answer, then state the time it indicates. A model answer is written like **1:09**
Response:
**11:29**
